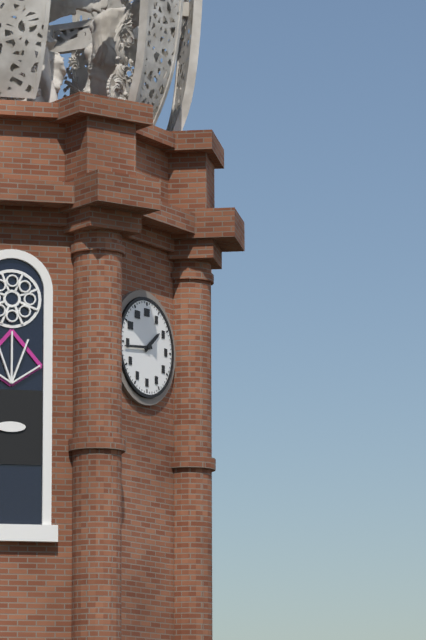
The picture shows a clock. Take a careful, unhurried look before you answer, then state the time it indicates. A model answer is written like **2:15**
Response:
**1:44**
